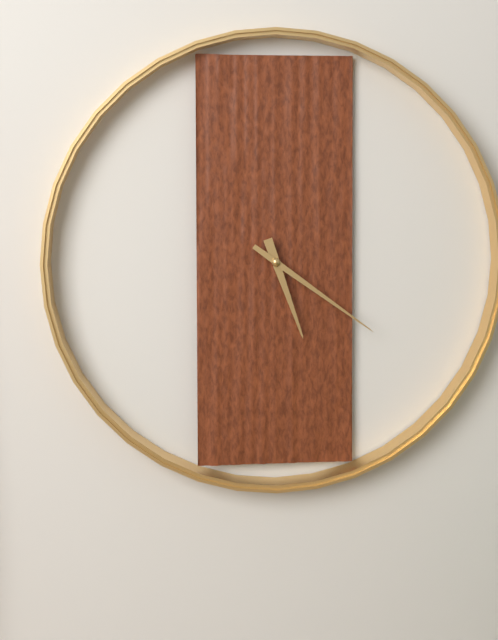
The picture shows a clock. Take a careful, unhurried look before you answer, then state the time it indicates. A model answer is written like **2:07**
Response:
**5:21**
